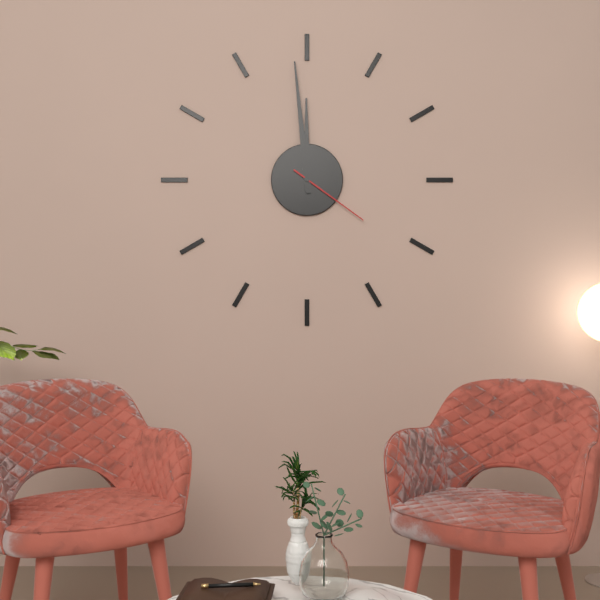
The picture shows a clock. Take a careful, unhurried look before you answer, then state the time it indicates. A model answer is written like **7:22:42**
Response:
**11:59:21**
